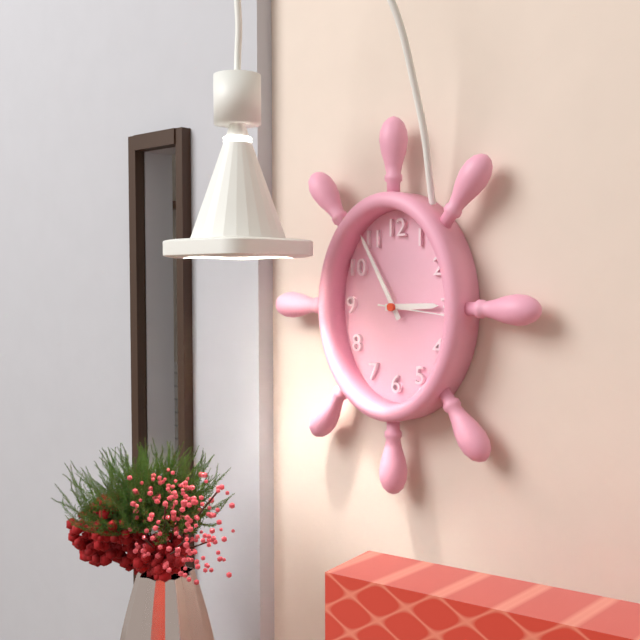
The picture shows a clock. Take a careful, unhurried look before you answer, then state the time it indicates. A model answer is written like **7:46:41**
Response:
**2:55:16**
